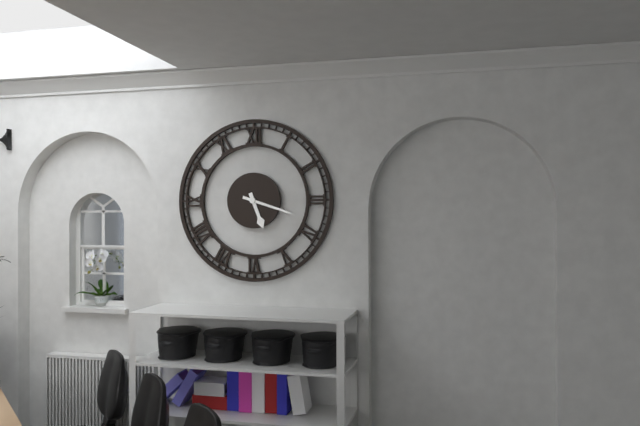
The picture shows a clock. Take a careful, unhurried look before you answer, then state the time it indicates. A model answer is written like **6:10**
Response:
**5:18**
